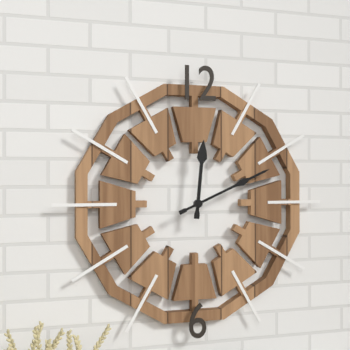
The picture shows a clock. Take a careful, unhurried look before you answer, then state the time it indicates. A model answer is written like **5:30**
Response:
**12:11**
